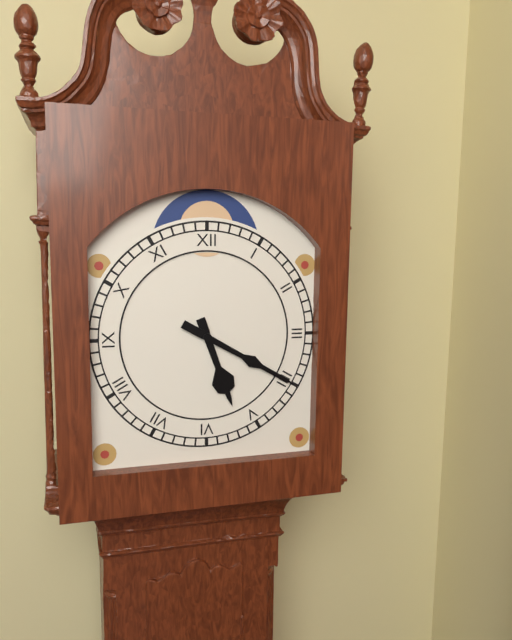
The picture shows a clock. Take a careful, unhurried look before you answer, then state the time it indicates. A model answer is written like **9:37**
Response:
**5:20**
